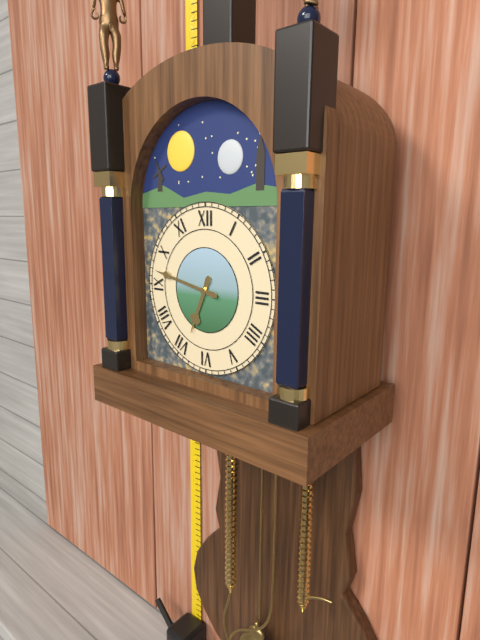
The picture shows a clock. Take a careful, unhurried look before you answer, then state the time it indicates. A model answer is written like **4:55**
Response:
**6:47**
